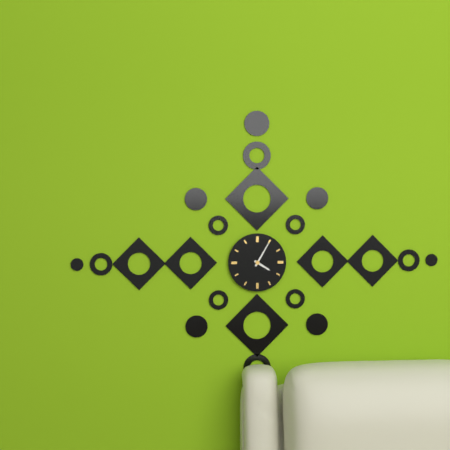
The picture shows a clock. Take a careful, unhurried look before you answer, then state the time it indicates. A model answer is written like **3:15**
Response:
**4:05**
